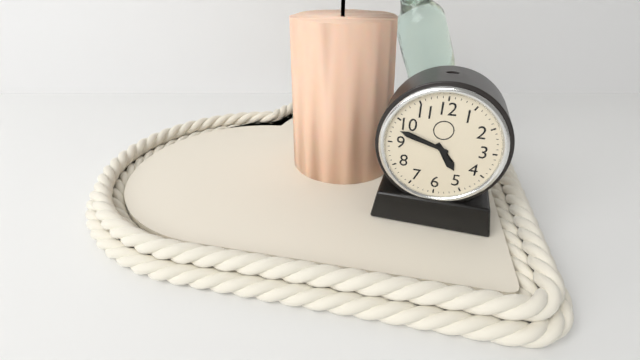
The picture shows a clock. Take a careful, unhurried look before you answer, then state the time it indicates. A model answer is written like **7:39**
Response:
**4:48**
